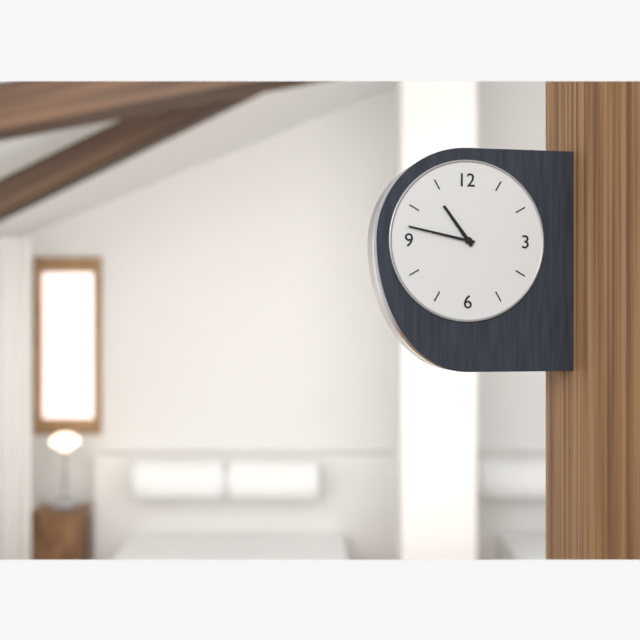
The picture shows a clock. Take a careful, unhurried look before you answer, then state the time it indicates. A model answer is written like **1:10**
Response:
**10:47**
